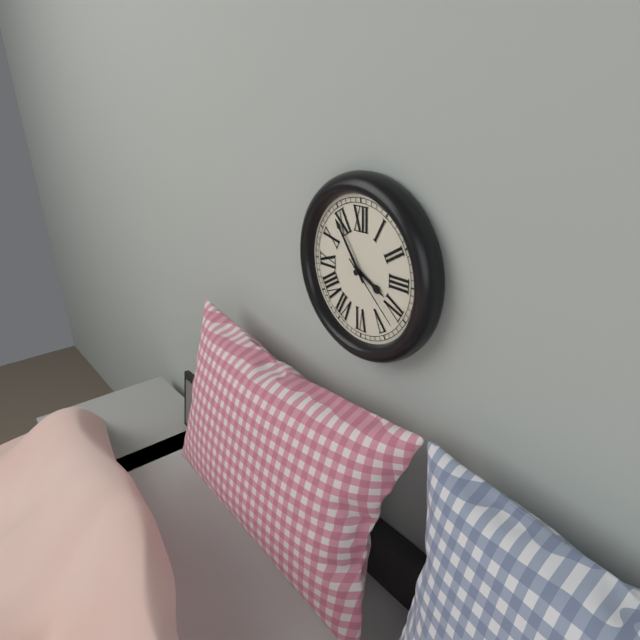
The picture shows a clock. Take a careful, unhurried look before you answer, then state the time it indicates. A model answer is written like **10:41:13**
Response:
**3:54:22**
